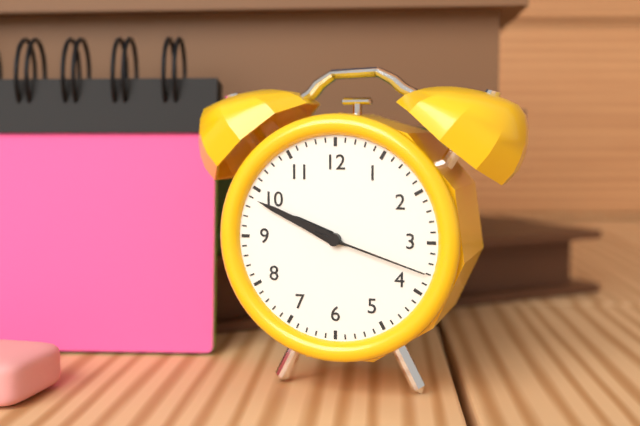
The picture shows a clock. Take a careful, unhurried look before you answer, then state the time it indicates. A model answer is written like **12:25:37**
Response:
**9:49:18**
